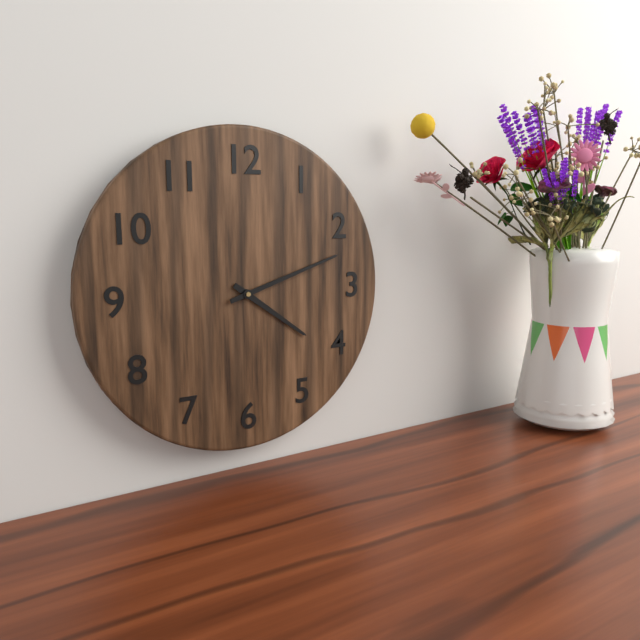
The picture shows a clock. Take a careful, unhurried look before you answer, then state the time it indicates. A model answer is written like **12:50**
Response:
**4:12**
